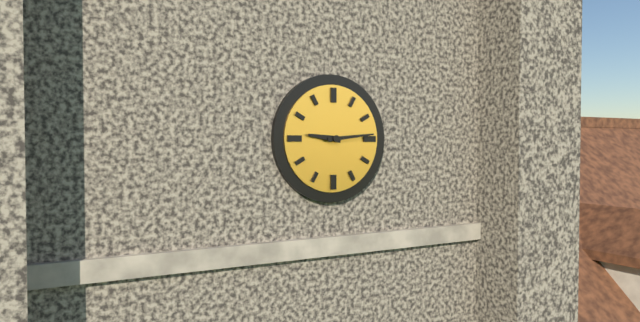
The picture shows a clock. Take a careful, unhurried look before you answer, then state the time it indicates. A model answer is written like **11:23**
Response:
**9:14**
